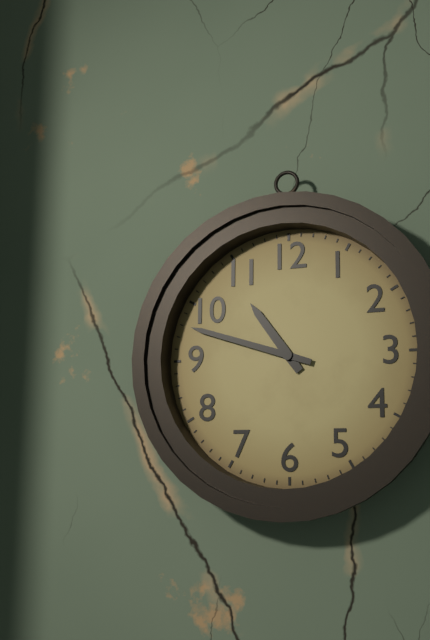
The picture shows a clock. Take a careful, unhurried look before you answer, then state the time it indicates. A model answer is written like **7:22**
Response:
**10:48**
